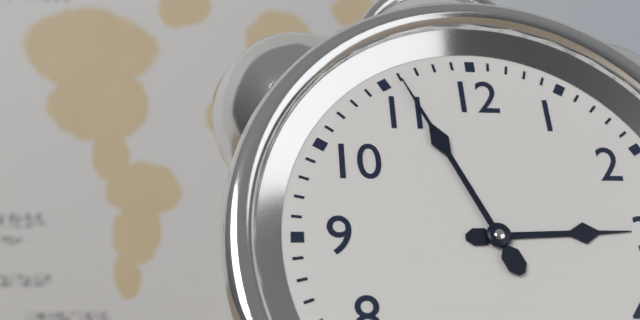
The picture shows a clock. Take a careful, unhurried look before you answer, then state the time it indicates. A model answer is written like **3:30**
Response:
**2:56**
